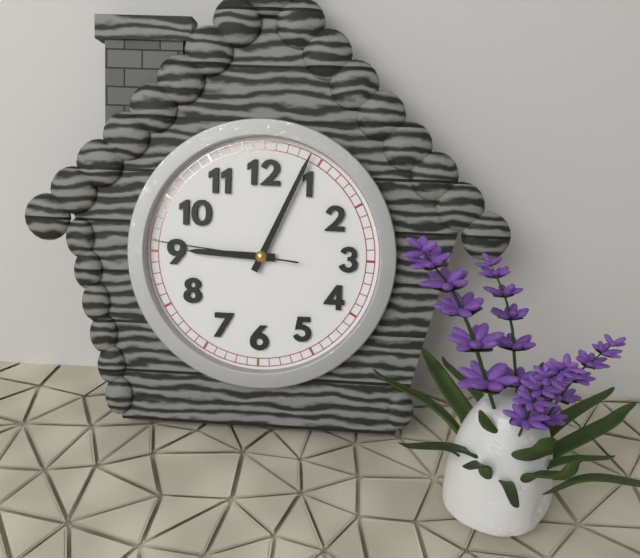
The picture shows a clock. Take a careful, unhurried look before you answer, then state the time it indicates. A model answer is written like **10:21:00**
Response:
**9:04:46**
